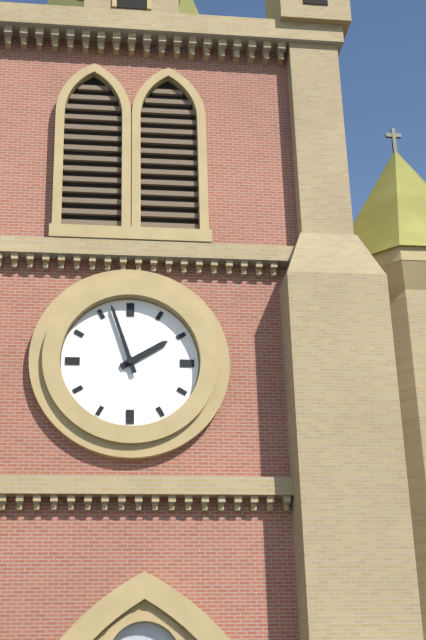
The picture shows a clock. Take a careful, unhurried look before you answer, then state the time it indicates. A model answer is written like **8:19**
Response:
**1:57**
